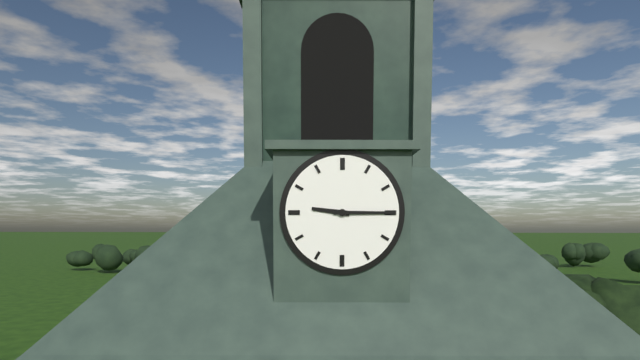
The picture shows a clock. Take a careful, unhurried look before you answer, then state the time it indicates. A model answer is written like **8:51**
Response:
**9:15**
